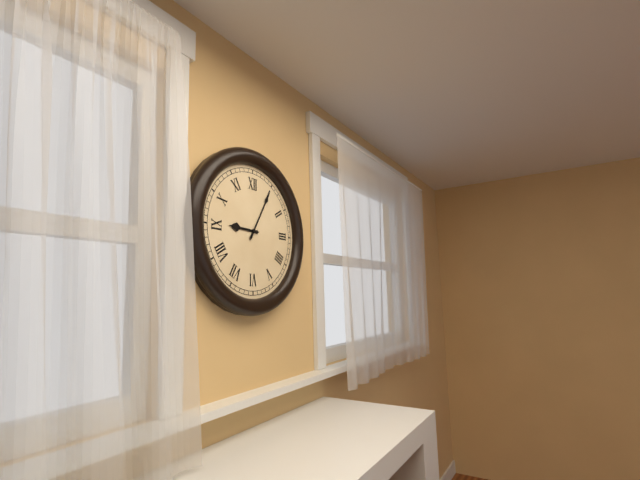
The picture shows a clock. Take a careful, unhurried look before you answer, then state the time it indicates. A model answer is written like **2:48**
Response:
**9:05**
